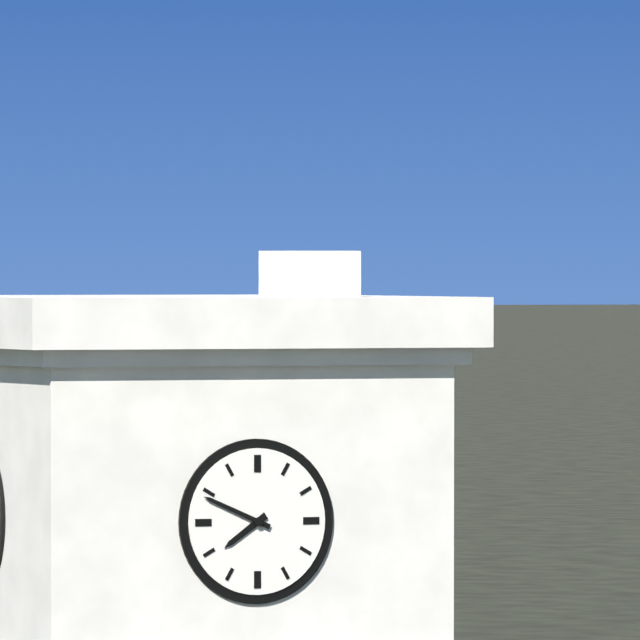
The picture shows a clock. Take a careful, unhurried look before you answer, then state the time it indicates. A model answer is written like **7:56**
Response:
**7:49**
